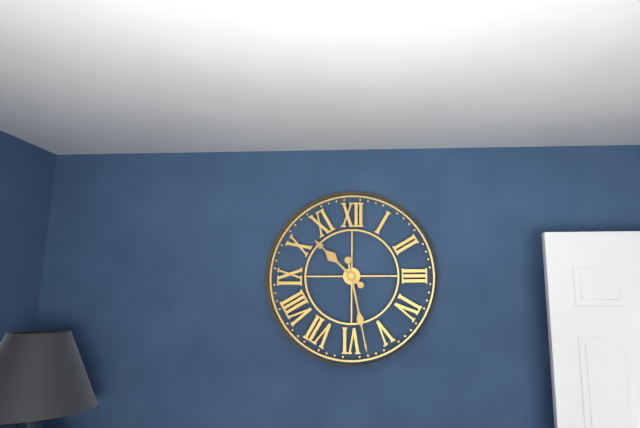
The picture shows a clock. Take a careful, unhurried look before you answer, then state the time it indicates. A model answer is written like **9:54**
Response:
**10:28**
